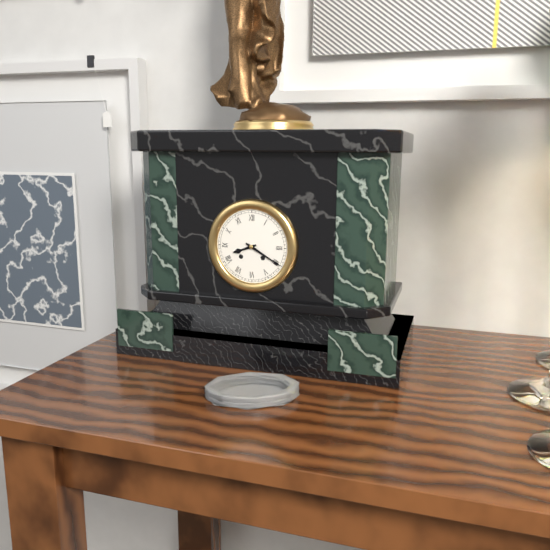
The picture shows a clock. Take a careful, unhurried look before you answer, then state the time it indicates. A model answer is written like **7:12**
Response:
**8:20**
